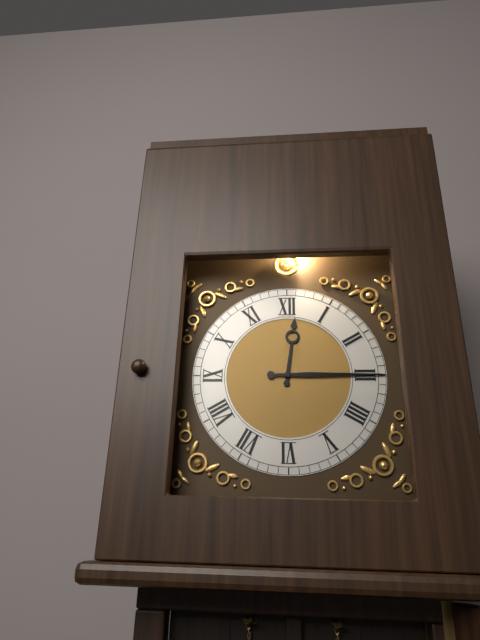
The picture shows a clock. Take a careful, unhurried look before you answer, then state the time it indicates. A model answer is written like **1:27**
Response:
**12:15**
